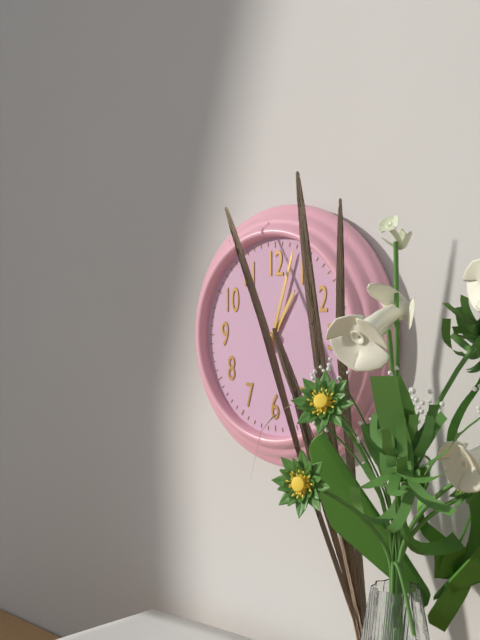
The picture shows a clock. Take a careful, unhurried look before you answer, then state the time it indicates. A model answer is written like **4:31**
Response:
**1:03**
